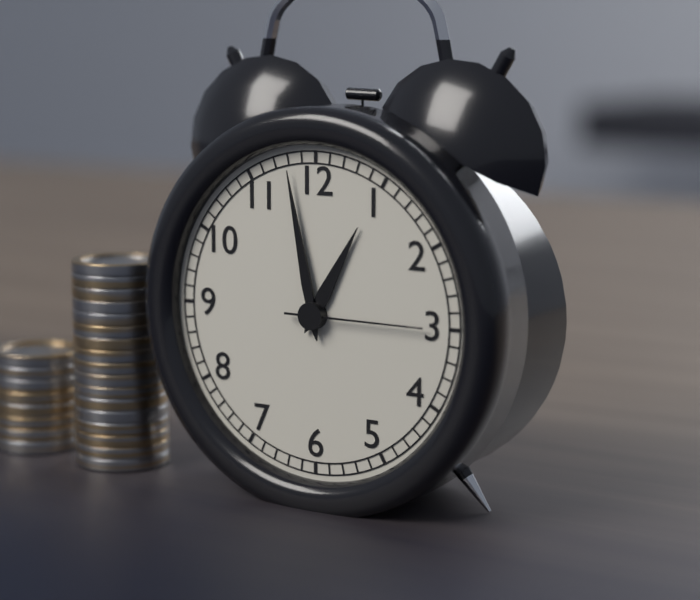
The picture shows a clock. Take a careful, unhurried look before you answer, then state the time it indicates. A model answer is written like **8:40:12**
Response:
**12:58:15**
